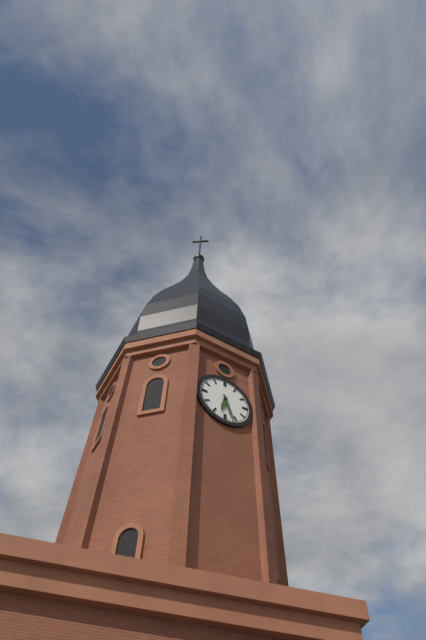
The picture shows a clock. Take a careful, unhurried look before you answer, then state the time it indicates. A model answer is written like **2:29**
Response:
**6:27**
